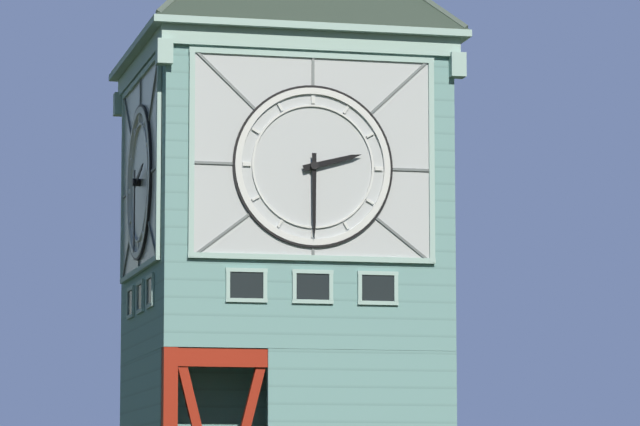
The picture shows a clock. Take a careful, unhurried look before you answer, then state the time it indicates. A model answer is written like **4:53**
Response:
**2:30**
